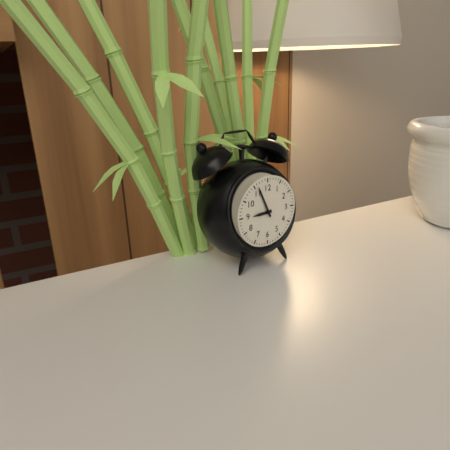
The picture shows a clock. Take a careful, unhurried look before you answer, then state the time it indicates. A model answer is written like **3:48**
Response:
**8:56**
